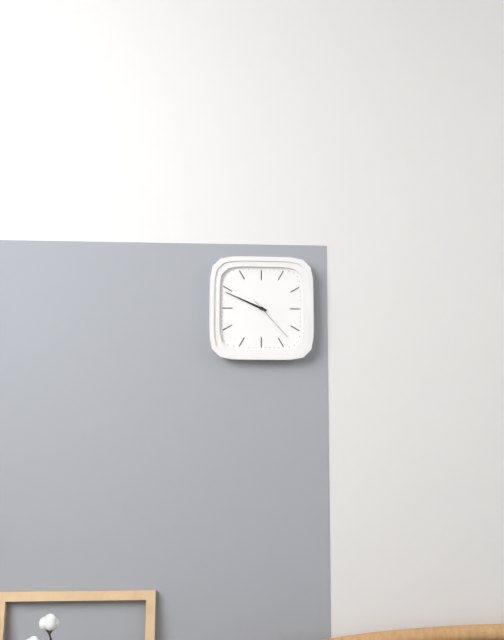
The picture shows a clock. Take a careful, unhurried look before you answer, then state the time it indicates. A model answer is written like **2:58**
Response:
**9:49**
